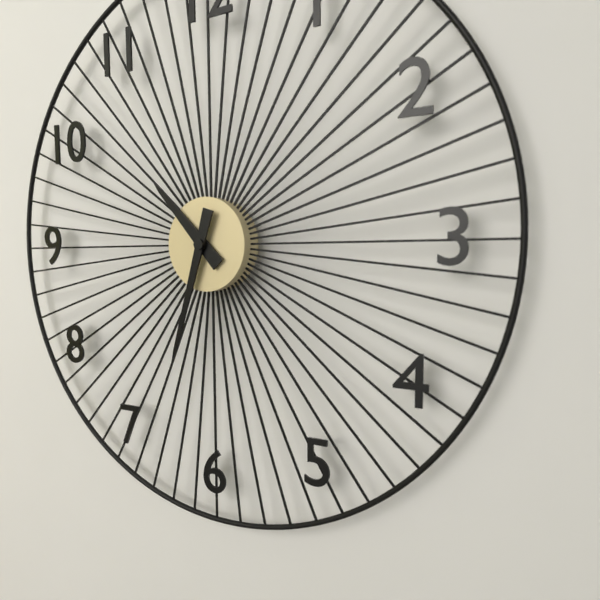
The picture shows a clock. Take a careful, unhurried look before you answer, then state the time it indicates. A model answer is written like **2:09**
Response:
**10:33**
